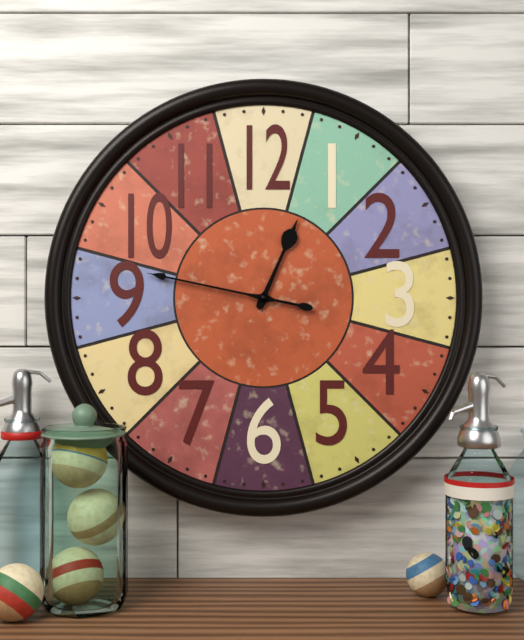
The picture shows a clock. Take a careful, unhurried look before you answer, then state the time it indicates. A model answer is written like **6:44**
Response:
**12:47**
